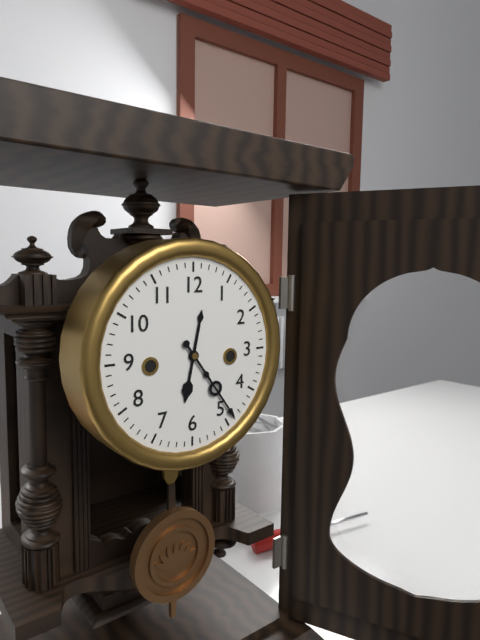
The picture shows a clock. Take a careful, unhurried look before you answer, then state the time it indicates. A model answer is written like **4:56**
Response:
**6:24**
